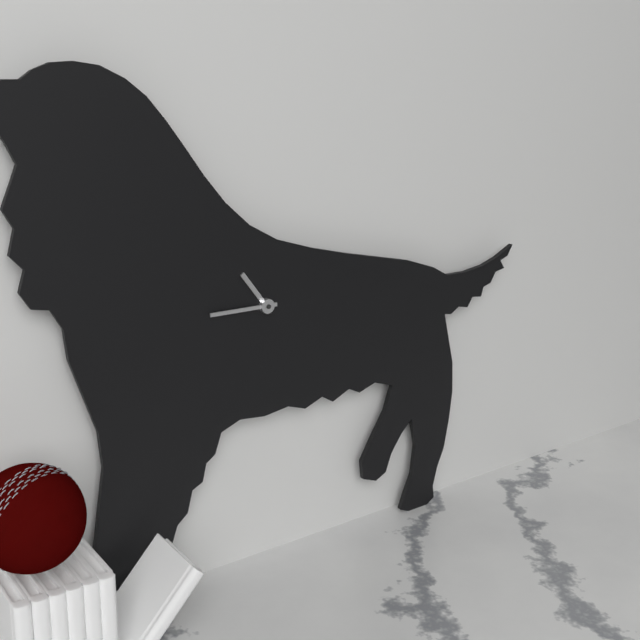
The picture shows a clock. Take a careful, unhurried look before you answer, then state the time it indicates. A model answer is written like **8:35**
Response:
**10:45**
